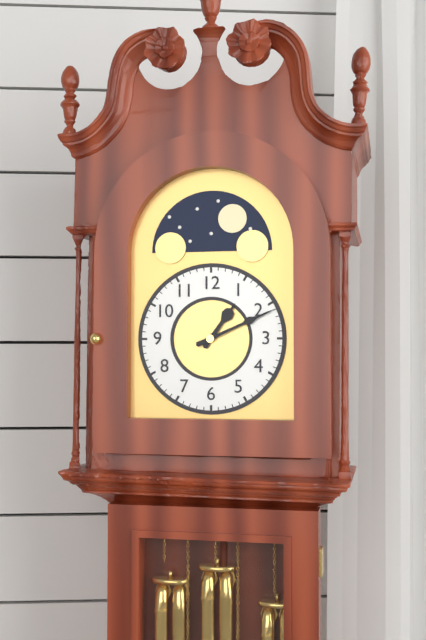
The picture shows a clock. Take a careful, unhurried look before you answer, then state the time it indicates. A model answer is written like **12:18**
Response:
**1:11**
